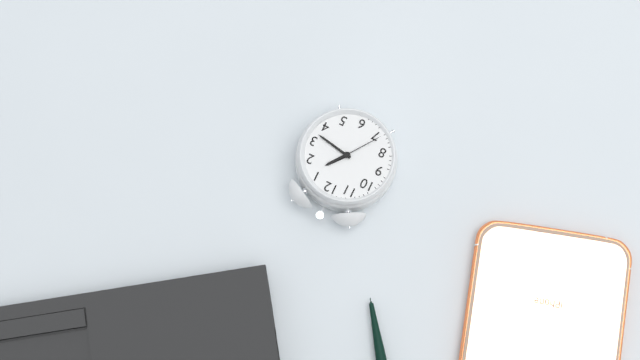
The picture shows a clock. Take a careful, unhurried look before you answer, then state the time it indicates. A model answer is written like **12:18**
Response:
**1:17**
